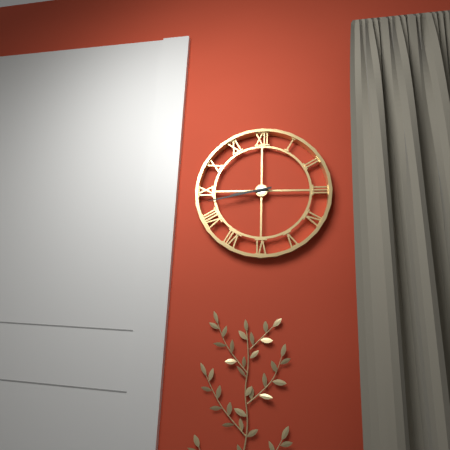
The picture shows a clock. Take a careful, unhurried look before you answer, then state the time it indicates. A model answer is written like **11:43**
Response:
**8:43**
